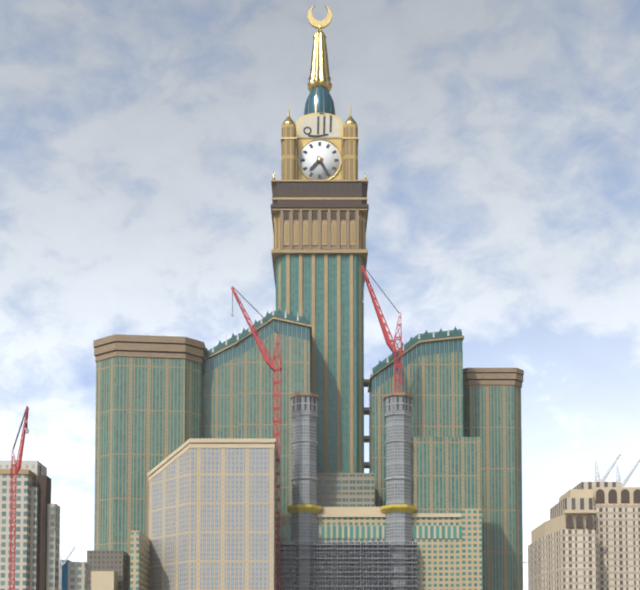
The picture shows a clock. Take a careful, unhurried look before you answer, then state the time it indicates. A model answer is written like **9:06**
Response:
**7:25**
